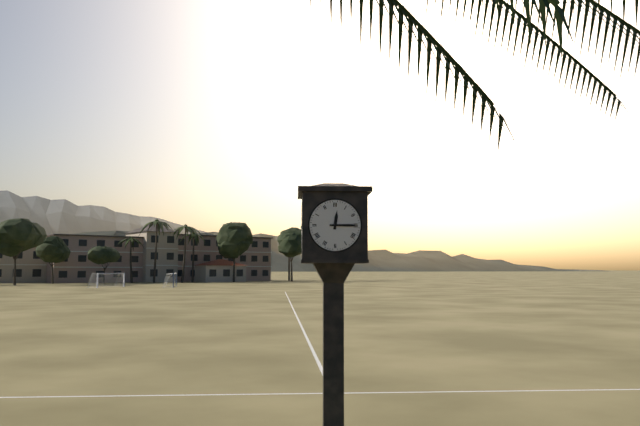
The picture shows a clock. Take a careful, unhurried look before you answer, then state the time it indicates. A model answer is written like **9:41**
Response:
**12:15**
